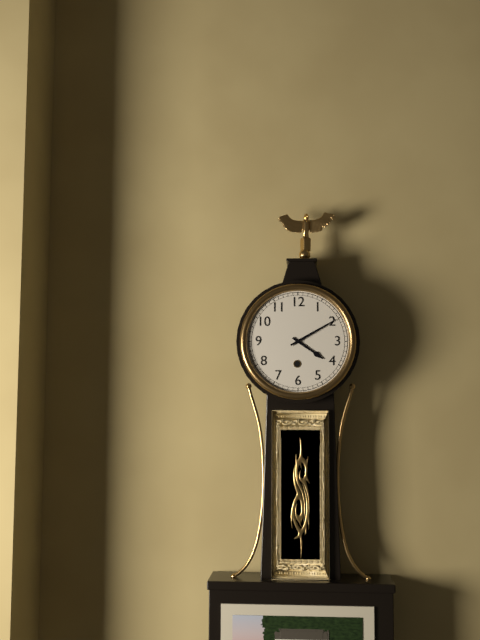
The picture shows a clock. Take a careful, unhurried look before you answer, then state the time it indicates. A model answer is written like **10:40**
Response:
**4:10**
